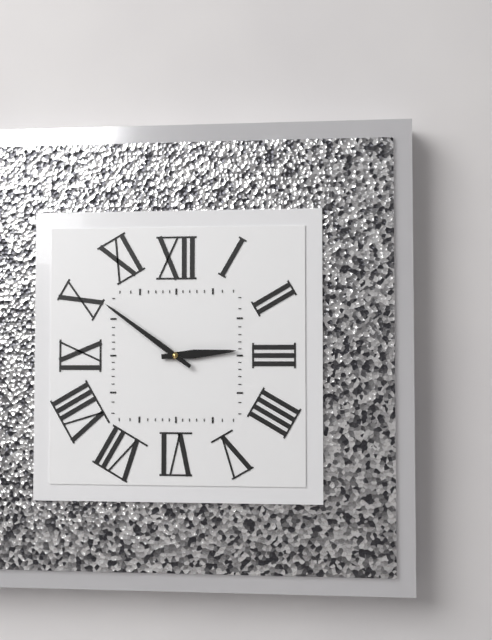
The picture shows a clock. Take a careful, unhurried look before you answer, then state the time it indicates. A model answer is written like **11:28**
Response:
**2:51**
